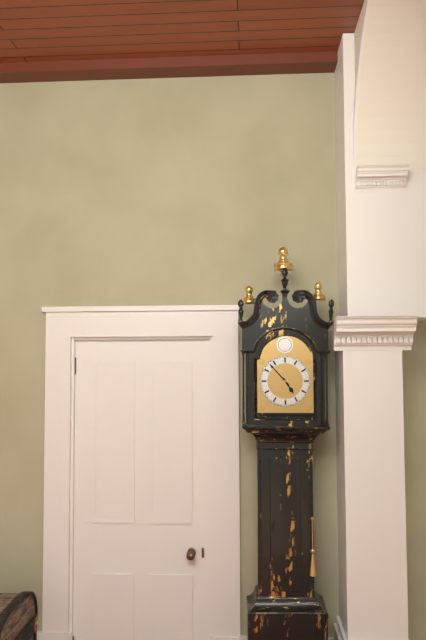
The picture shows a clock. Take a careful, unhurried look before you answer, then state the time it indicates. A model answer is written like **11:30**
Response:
**4:53**
